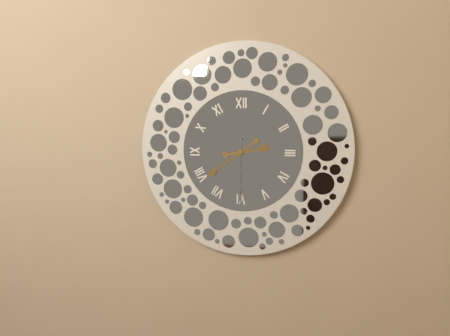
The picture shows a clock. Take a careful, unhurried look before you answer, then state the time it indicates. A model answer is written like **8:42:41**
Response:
**2:39:30**
